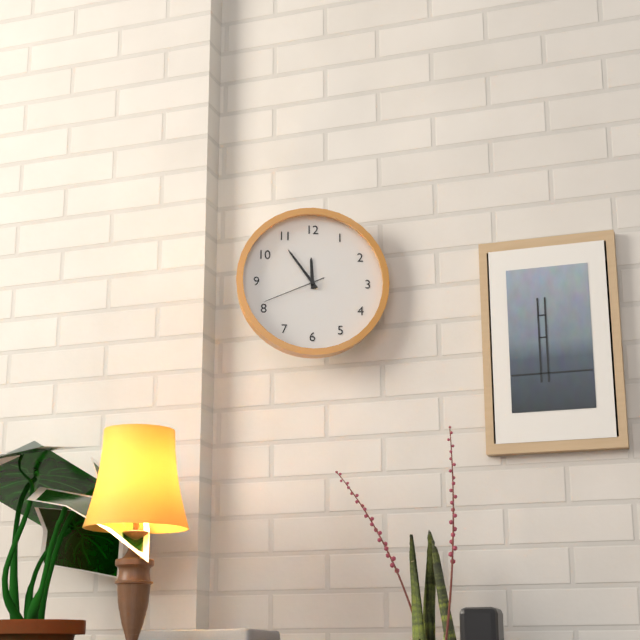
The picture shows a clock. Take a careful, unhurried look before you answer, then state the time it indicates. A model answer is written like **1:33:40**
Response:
**11:54:41**
